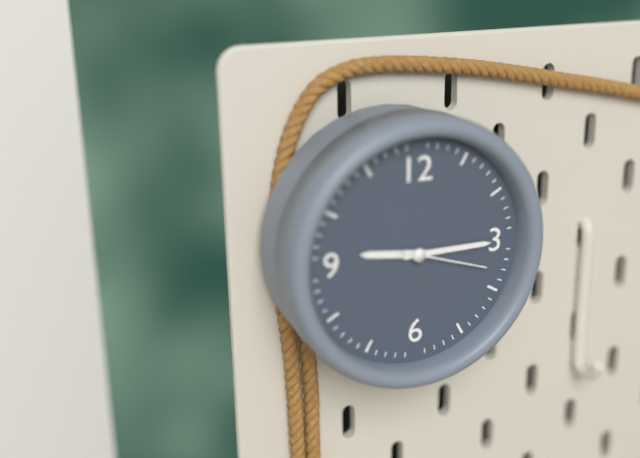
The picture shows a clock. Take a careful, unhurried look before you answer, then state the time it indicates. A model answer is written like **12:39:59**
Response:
**9:15:18**
